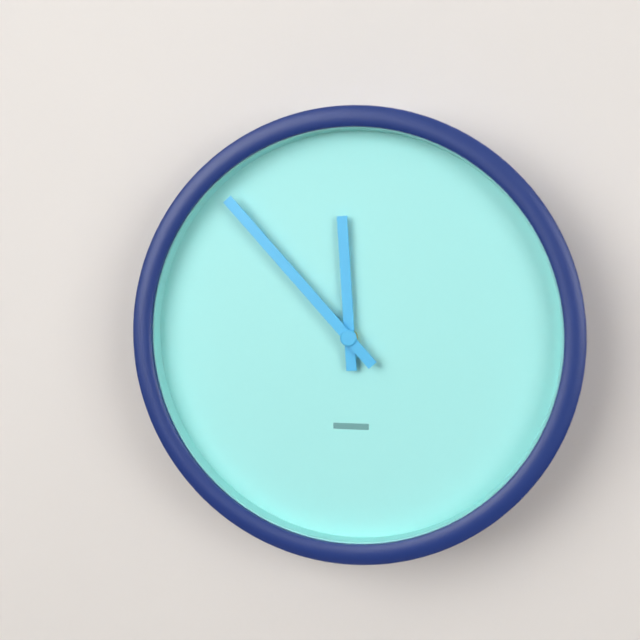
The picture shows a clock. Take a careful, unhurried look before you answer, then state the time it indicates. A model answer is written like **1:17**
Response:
**11:53**
